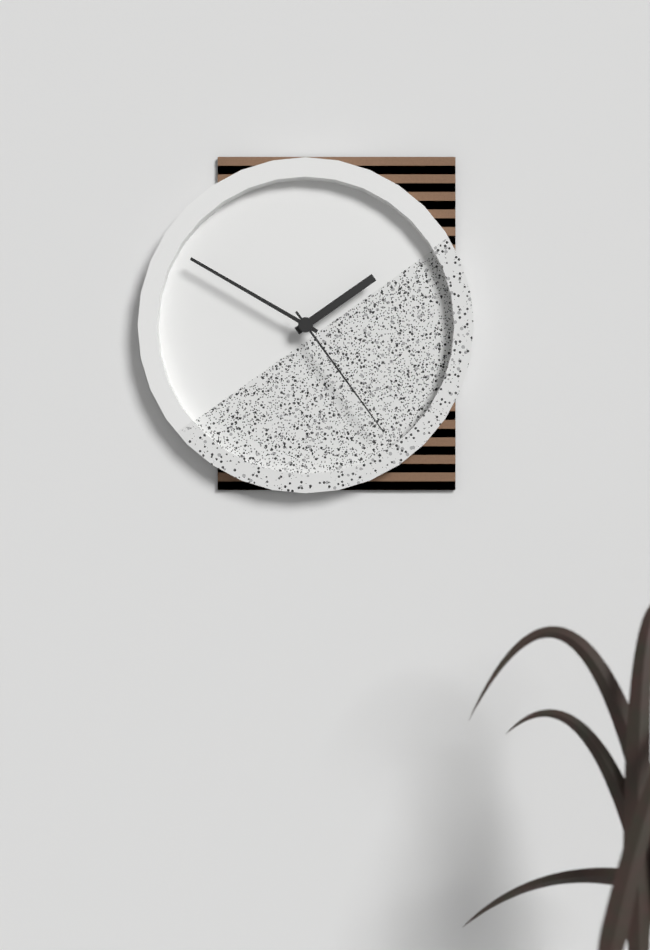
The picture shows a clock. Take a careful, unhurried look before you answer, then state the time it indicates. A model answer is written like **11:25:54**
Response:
**1:50:24**
